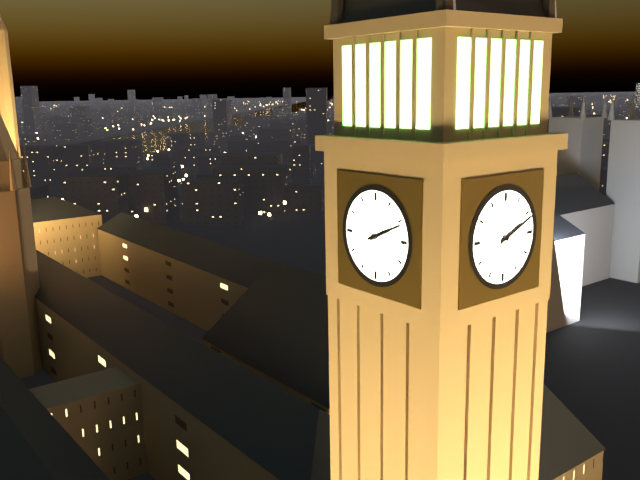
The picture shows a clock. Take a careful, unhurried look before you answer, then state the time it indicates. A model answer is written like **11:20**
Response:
**2:11**
